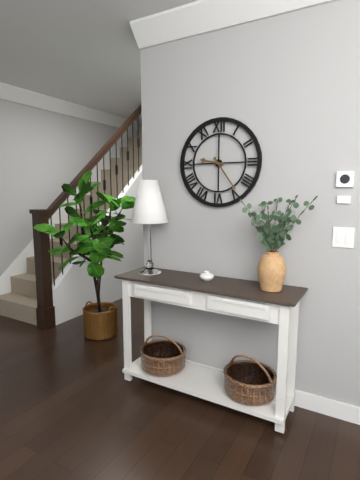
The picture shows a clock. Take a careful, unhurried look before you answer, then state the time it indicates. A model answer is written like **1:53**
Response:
**9:24**
